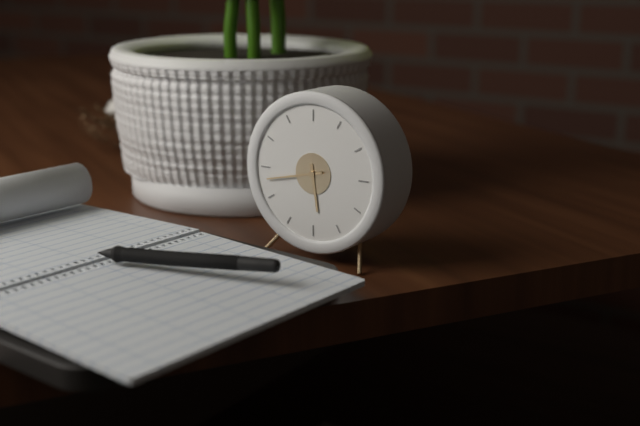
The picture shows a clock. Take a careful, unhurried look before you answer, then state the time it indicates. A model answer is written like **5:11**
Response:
**5:43**
